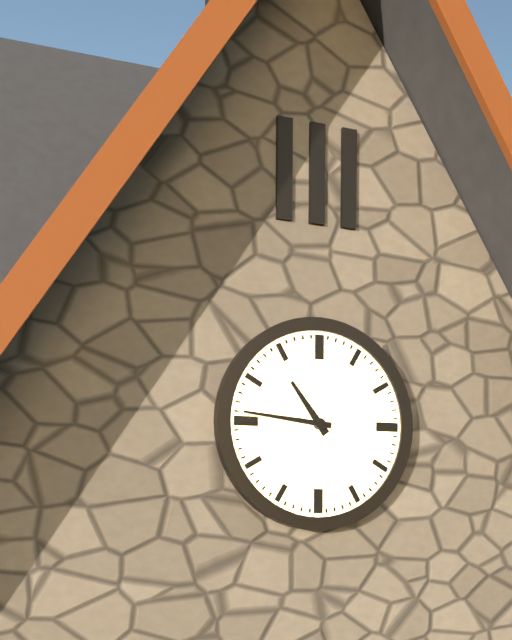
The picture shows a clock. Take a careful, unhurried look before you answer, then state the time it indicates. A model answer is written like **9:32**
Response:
**10:46**
